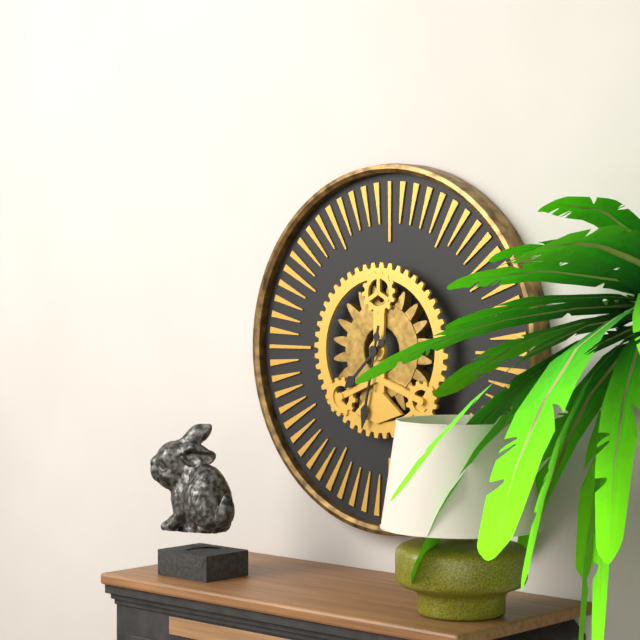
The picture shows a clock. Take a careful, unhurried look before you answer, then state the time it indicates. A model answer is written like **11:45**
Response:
**7:32**
